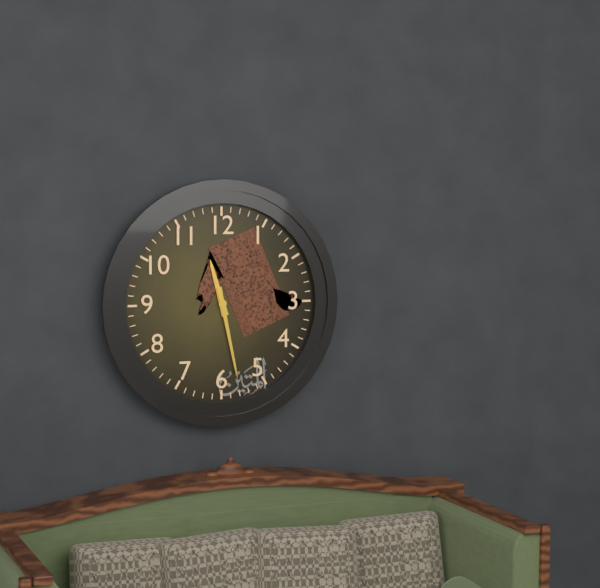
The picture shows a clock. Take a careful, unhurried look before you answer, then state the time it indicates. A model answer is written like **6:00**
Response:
**11:28**
